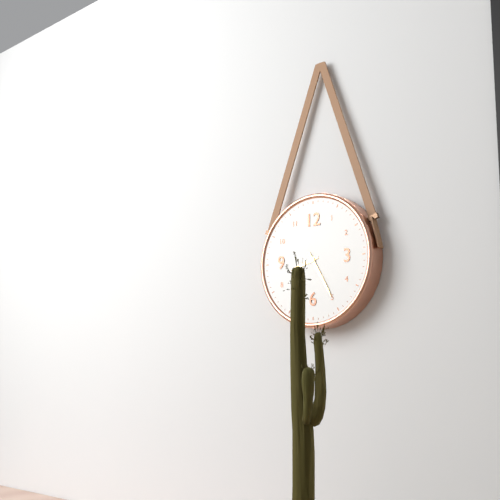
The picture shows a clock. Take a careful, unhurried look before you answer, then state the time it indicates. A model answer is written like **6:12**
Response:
**8:25**
